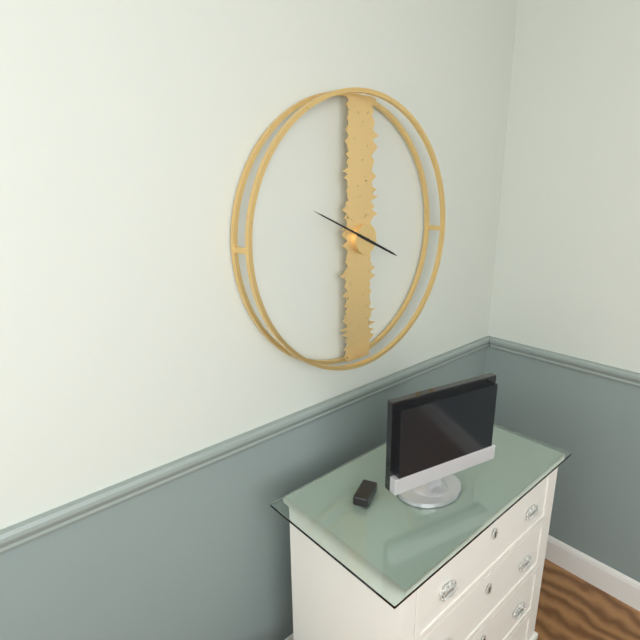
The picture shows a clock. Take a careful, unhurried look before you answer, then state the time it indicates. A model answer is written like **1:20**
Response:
**3:49**
